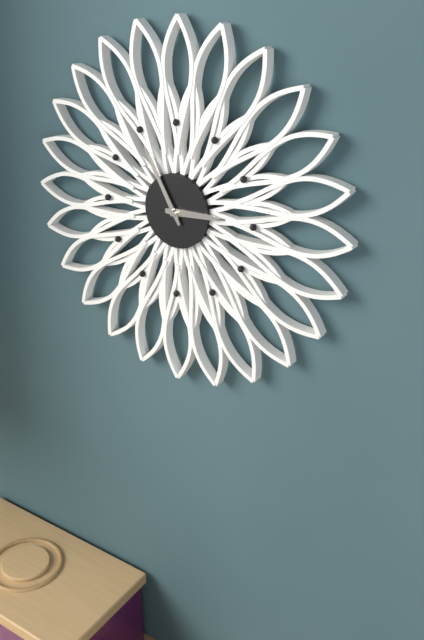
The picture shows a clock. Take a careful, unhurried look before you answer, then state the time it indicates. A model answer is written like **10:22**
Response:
**2:55**
